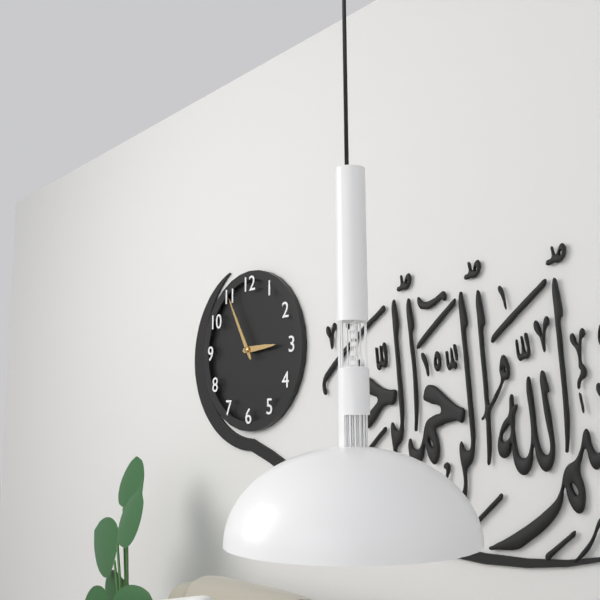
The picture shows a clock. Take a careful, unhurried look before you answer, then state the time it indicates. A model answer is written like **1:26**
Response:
**2:55**
